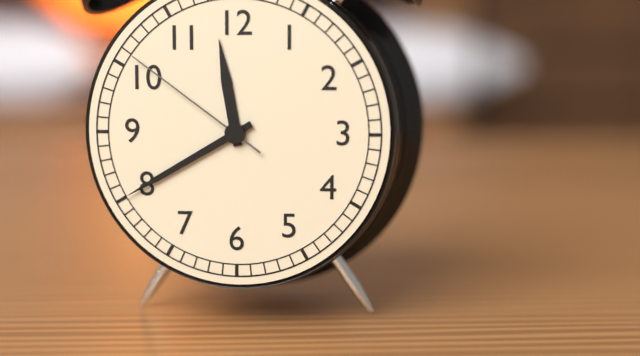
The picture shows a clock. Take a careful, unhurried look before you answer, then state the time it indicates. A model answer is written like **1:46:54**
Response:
**11:40:51**
